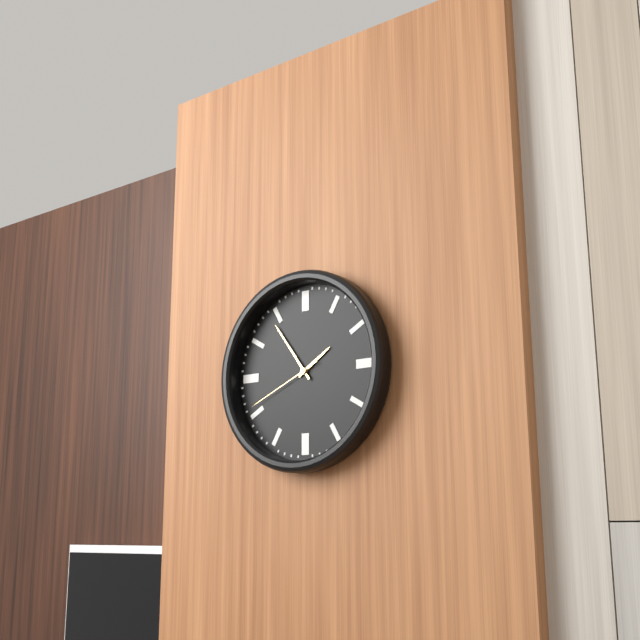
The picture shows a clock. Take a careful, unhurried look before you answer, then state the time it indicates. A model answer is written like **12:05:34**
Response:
**1:54:41**
